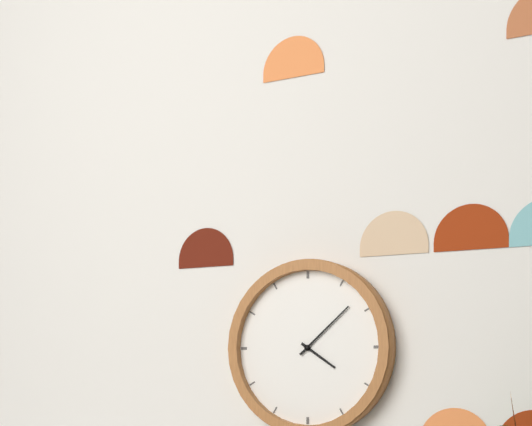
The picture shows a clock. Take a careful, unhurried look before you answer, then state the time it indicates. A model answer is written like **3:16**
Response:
**4:08**
